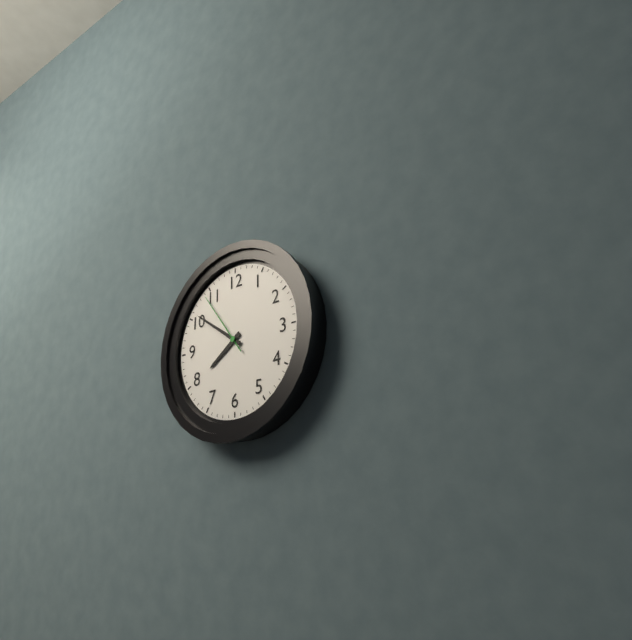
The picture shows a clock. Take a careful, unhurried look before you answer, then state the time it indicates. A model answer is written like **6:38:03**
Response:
**7:51:54**
